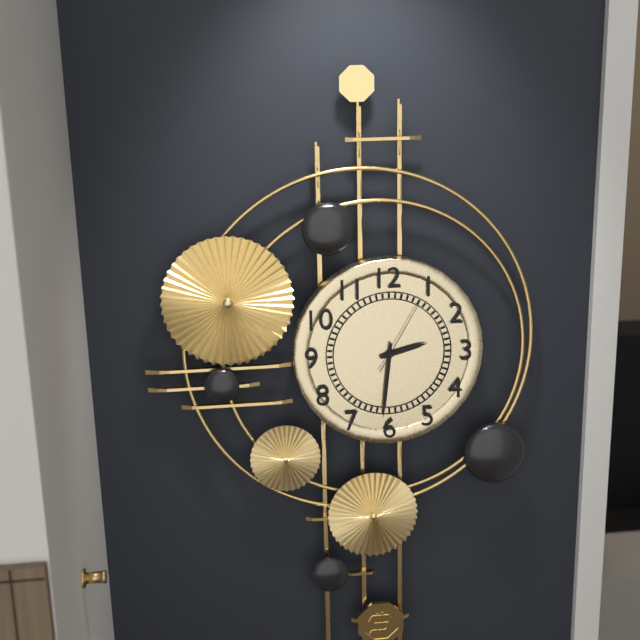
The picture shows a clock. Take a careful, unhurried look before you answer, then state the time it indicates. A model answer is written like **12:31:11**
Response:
**2:31:05**
